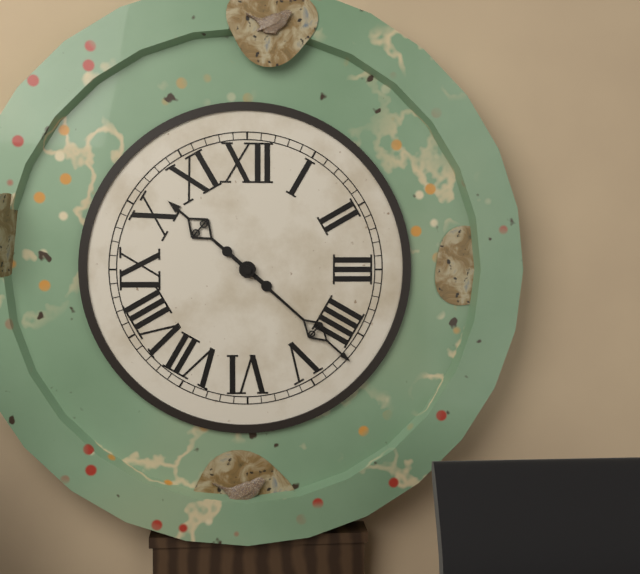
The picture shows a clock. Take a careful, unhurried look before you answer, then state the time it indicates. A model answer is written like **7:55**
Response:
**10:22**
